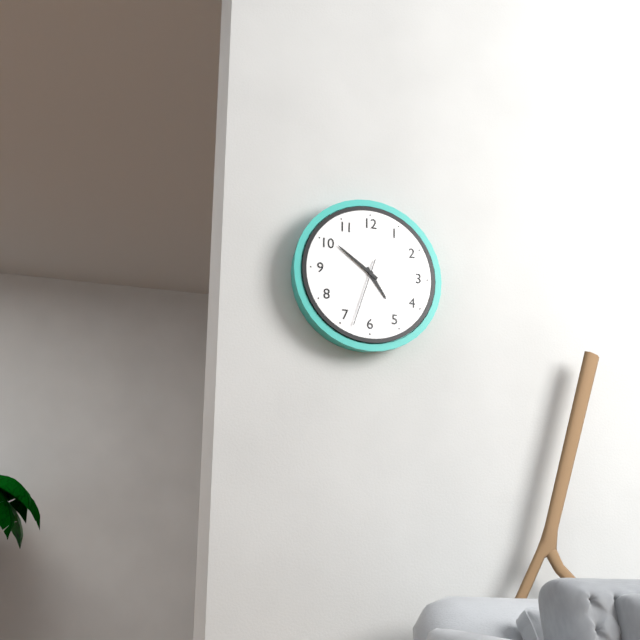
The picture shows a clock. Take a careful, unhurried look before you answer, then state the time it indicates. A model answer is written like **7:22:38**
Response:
**4:51:33**
